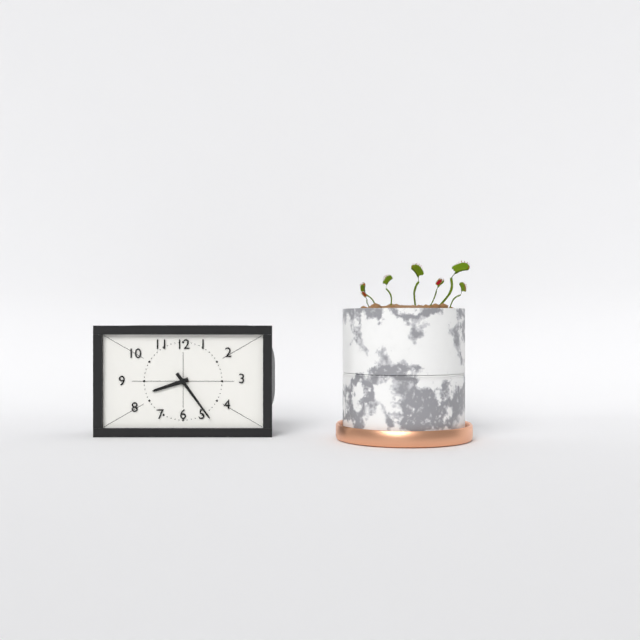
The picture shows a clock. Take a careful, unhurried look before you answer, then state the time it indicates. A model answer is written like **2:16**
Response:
**8:24**
